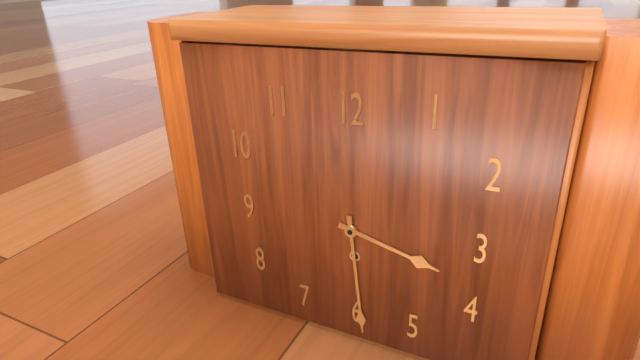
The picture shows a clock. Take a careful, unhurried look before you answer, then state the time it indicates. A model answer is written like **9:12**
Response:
**3:29**
